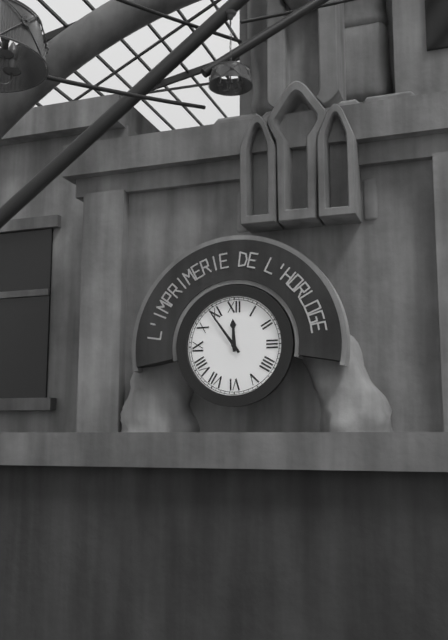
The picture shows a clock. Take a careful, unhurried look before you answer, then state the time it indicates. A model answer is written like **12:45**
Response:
**11:54**
